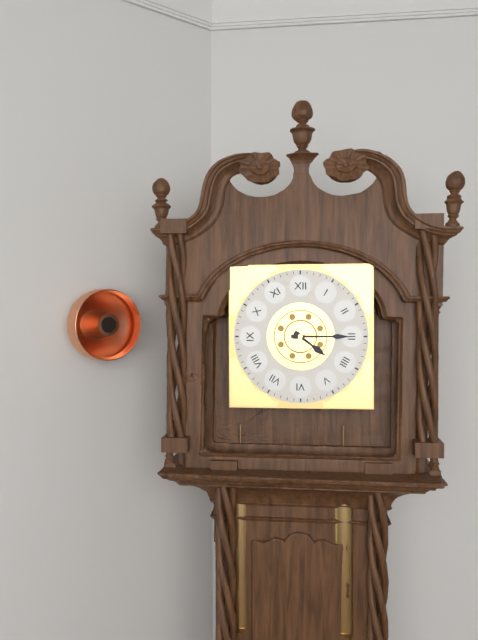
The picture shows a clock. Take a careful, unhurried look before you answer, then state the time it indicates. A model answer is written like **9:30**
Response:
**4:15**
